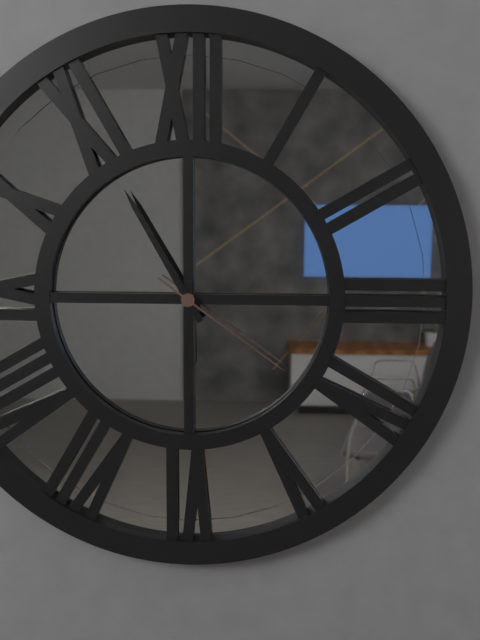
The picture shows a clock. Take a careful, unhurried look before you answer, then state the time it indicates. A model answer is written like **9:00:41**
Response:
**5:55:21**
